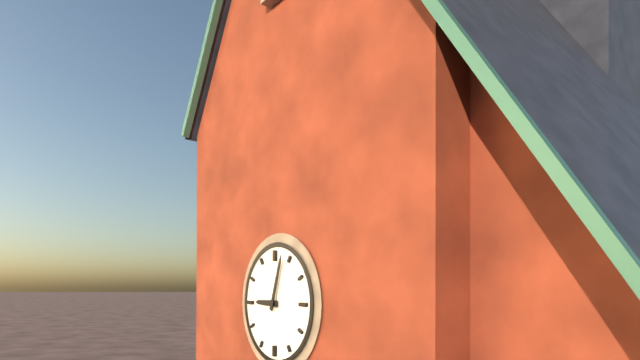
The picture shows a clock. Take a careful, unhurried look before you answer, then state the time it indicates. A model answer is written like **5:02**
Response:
**9:03**
